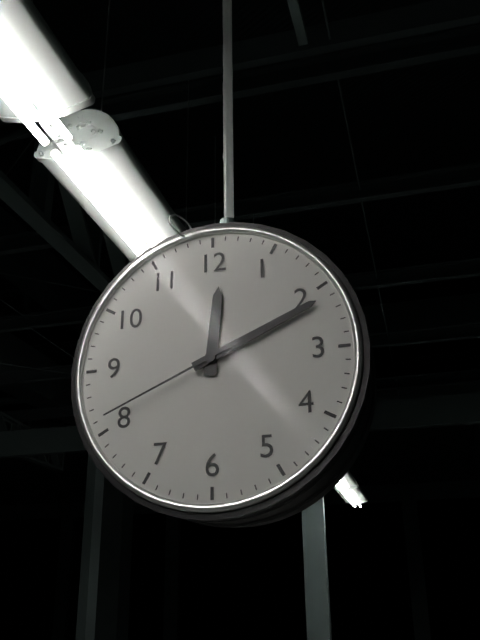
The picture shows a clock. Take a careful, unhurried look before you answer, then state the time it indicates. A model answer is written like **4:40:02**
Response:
**12:11:41**
